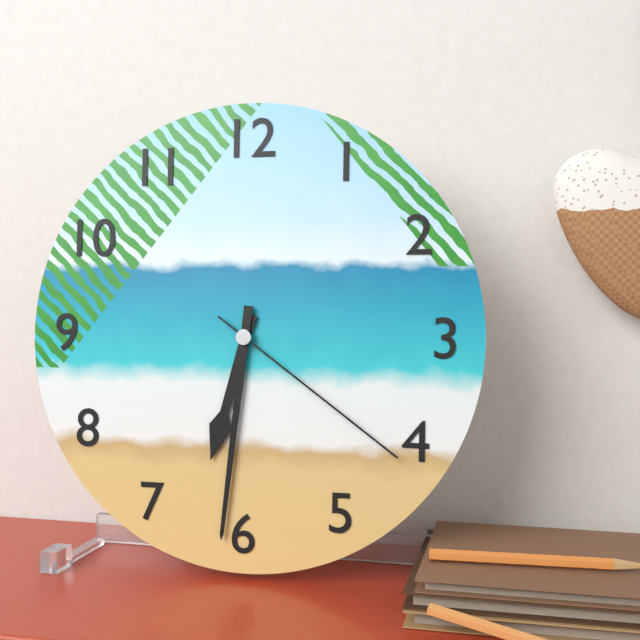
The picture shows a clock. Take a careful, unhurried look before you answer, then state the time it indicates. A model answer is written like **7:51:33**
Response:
**6:31:21**
